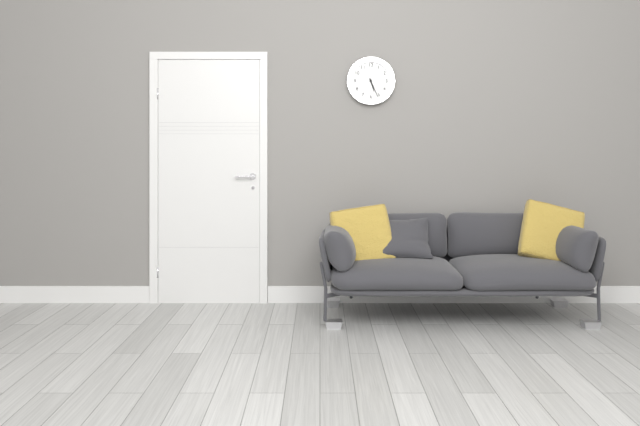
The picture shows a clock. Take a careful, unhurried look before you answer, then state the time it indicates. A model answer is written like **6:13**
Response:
**5:26**
